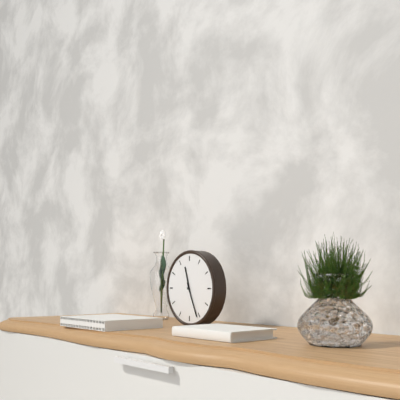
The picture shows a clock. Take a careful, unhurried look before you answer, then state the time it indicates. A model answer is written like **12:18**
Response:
**11:26**
